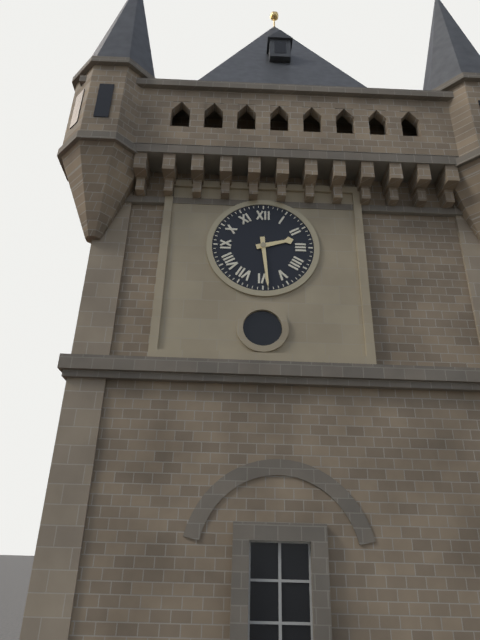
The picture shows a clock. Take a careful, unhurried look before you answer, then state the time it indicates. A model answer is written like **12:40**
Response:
**2:29**
